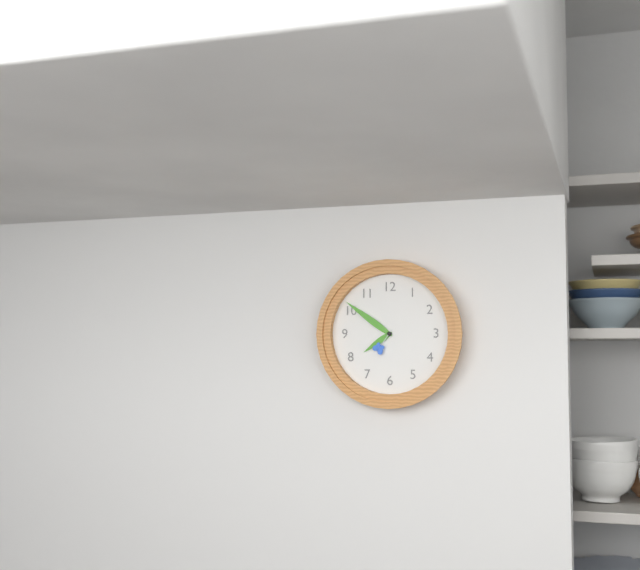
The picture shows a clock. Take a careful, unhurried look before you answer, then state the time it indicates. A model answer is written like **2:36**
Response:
**7:51**
